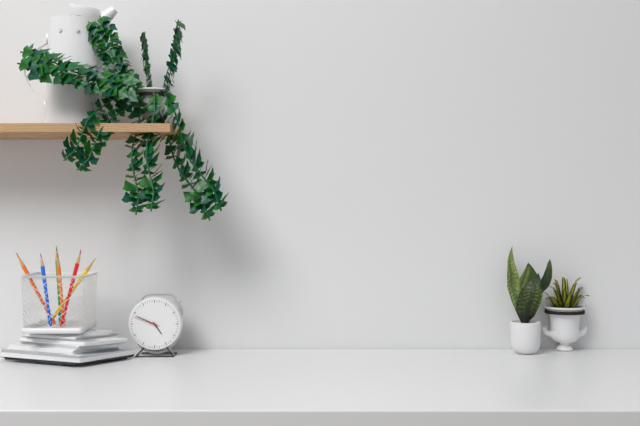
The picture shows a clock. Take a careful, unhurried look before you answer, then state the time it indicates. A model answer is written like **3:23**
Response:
**4:49**
